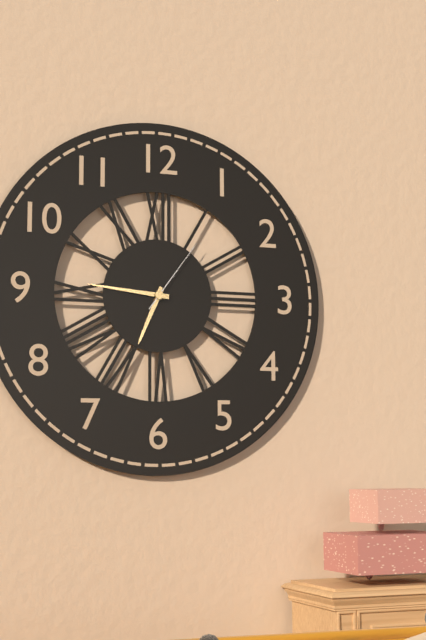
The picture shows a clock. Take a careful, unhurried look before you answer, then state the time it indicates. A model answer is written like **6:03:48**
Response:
**6:46:06**
